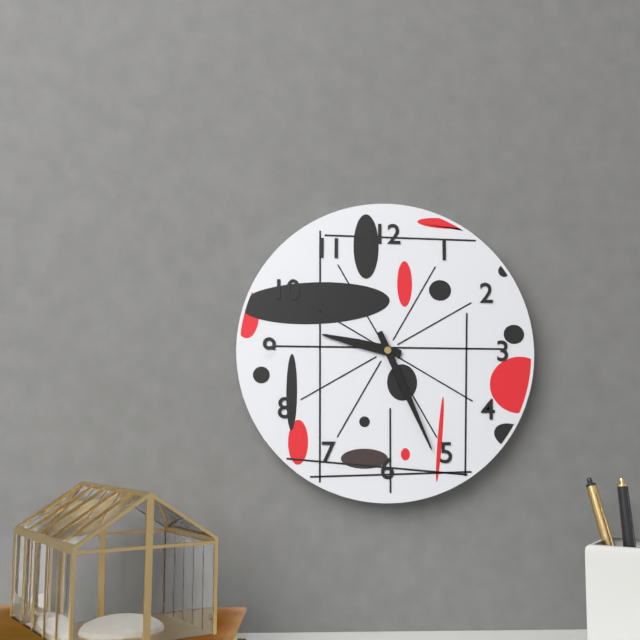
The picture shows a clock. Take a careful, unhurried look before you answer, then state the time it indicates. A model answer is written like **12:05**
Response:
**9:26**
